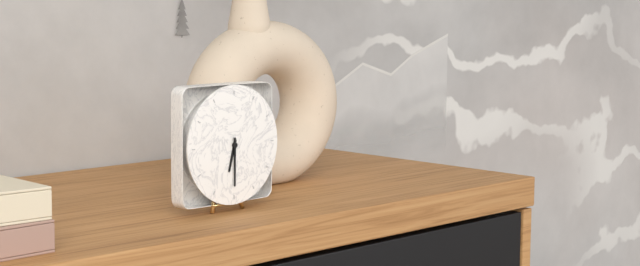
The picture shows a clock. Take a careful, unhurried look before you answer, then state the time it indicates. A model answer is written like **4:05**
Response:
**6:30**
